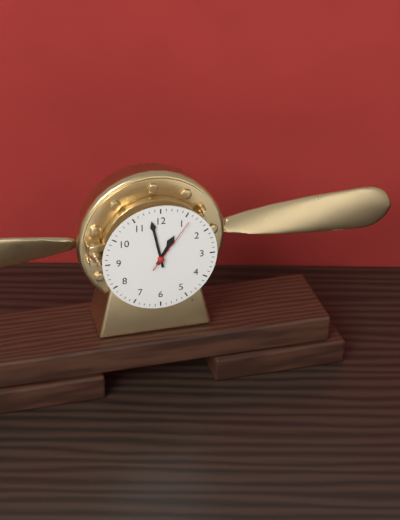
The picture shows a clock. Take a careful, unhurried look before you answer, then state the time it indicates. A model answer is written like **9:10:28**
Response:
**12:58:06**
